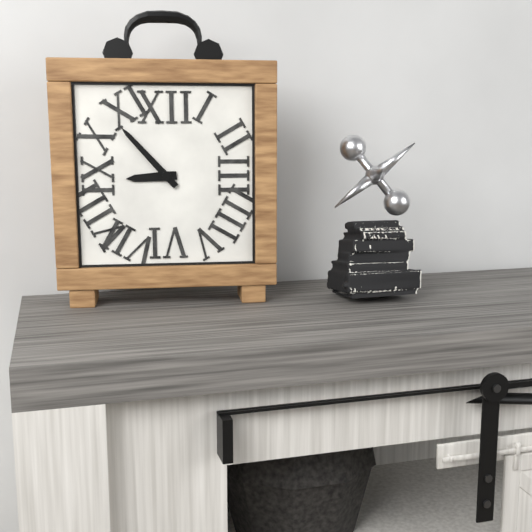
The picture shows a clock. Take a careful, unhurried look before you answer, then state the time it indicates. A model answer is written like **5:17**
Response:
**8:53**
